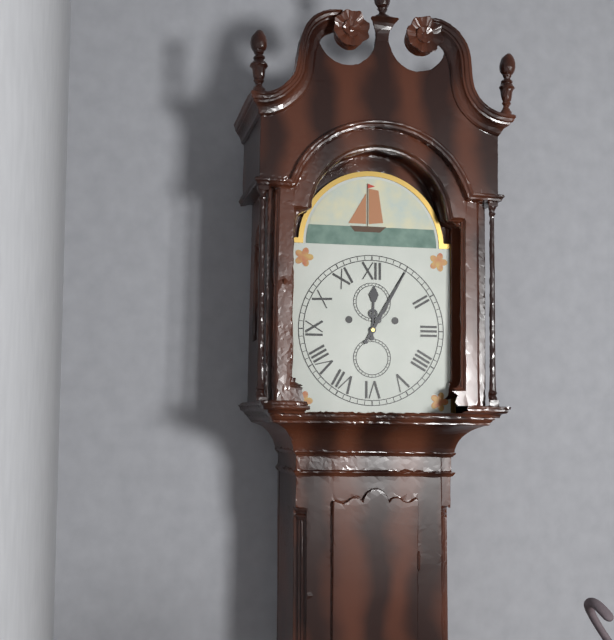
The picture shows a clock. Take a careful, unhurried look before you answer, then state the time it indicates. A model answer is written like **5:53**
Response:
**12:05**
